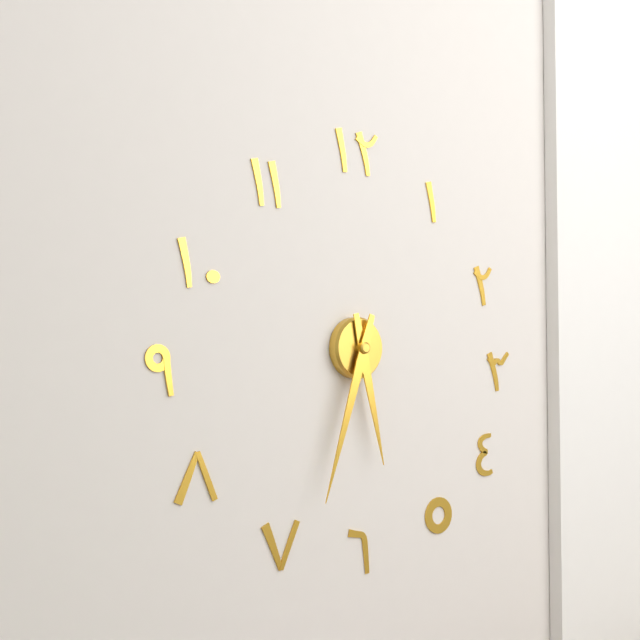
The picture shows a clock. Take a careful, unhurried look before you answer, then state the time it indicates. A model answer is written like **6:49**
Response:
**5:33**
